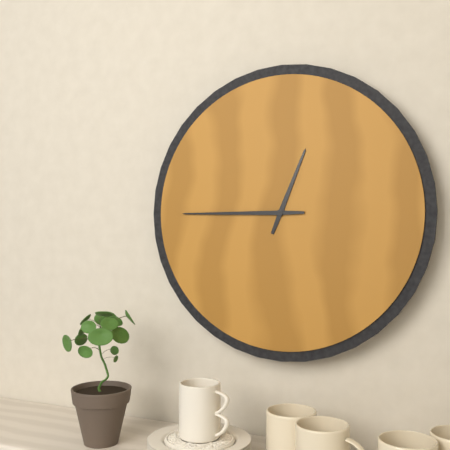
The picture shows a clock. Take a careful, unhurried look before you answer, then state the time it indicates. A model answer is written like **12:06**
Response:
**12:45**
